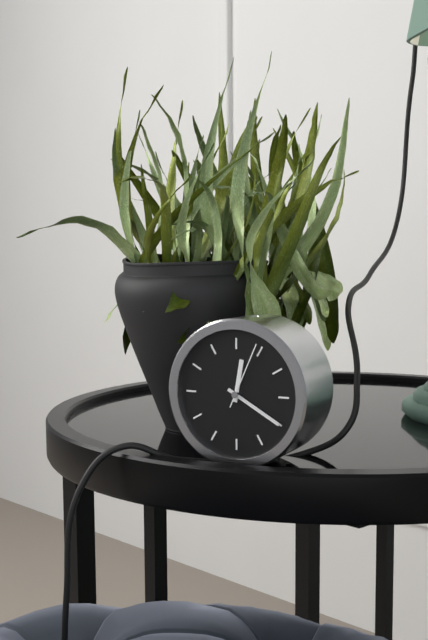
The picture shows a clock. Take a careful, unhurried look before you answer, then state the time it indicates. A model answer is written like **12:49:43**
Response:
**12:20:04**
